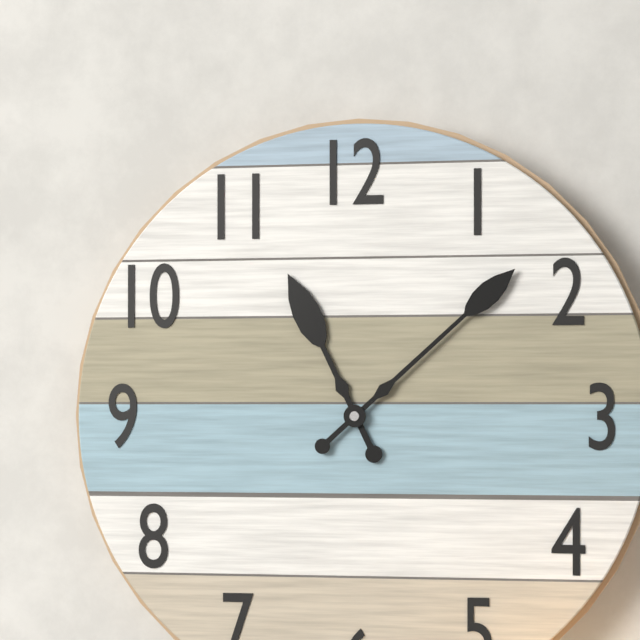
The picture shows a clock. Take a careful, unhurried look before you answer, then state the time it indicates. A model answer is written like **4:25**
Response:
**11:08**
